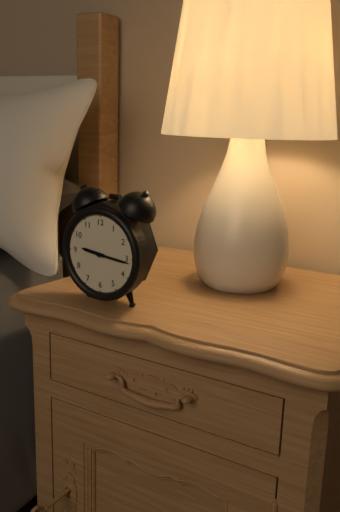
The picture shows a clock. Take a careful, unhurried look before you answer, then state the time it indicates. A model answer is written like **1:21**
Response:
**9:16**
